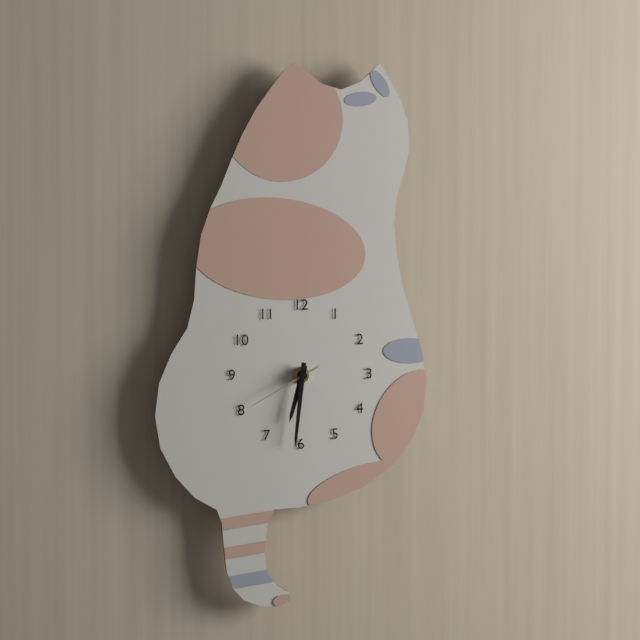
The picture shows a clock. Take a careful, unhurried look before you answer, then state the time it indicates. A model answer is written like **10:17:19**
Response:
**6:31:40**
